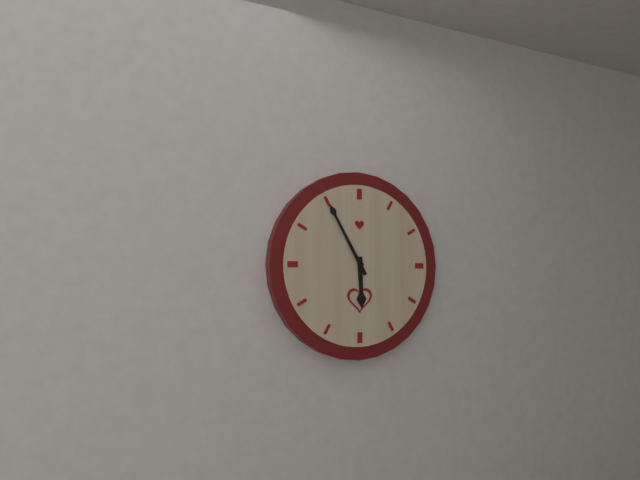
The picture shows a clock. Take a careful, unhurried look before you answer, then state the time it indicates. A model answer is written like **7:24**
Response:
**5:55**
